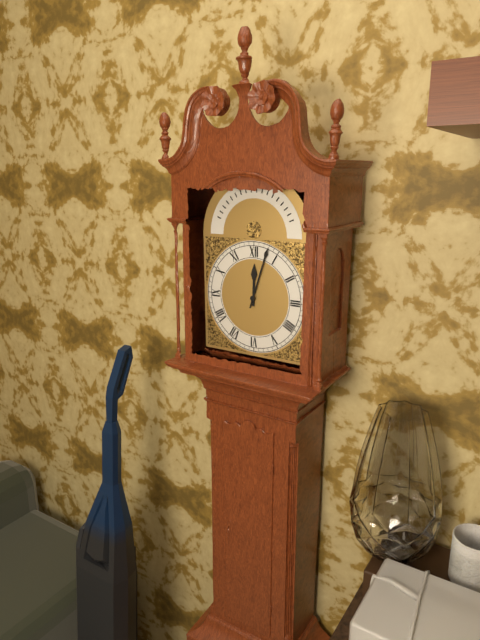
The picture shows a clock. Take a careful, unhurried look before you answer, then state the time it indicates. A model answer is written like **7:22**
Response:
**12:03**
